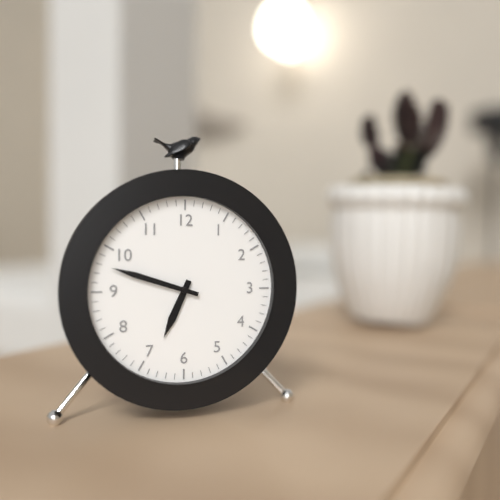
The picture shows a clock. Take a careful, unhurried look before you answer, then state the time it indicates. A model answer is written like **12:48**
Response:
**6:48**
